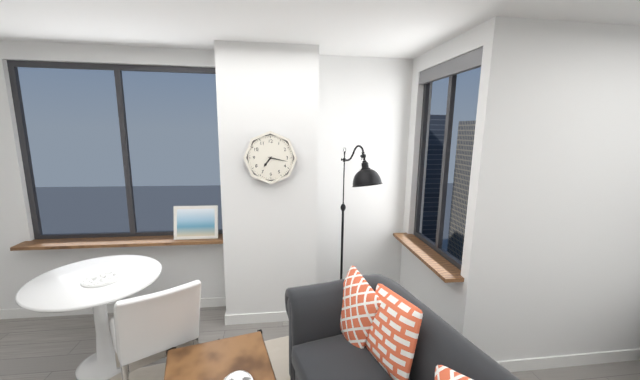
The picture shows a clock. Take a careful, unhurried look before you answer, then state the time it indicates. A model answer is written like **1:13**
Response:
**7:17**
